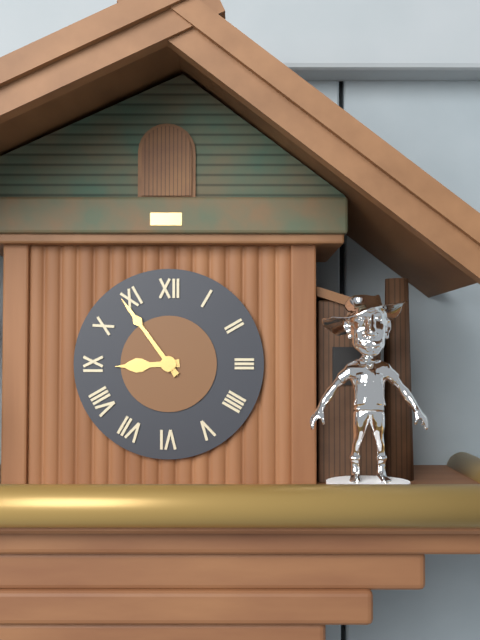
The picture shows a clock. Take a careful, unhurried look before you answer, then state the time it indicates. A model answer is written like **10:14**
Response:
**8:54**
